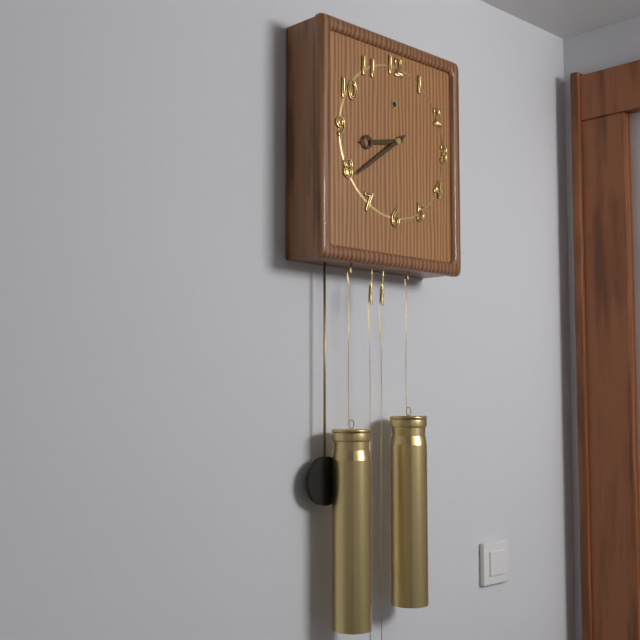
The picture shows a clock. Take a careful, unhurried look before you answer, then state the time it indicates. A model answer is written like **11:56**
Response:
**8:39**
